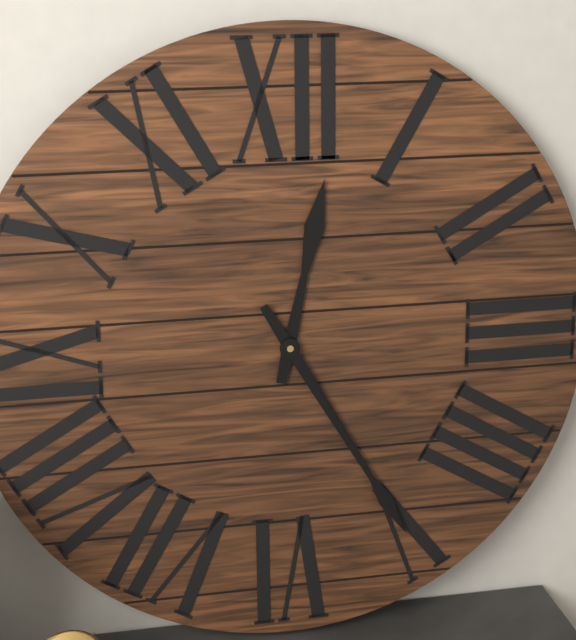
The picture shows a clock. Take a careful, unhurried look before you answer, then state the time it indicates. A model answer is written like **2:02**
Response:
**12:25**
